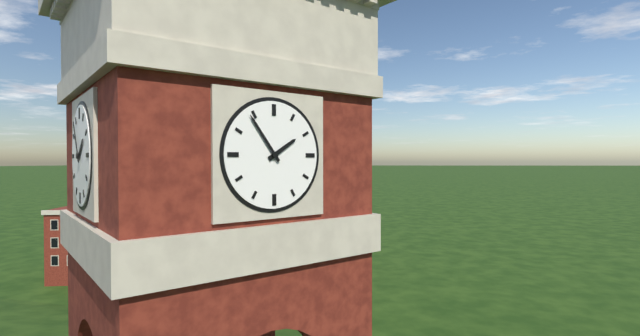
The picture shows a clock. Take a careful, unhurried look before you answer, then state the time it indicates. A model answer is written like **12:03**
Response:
**1:54**
